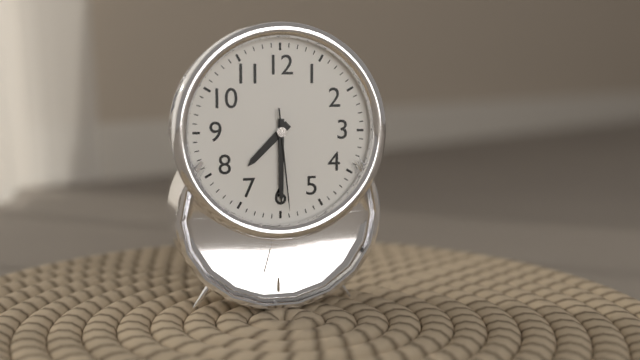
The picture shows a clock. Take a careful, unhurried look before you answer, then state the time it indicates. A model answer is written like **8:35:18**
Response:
**7:30:29**
